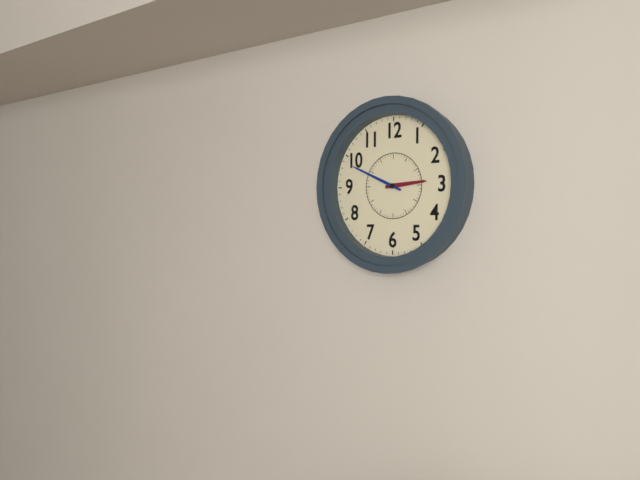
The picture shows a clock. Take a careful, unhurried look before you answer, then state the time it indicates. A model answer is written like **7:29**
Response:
**2:49**
